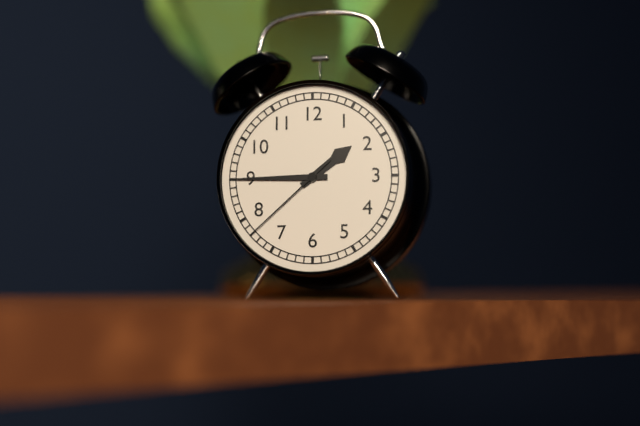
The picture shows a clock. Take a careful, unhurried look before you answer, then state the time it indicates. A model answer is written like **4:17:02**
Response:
**1:45:38**
